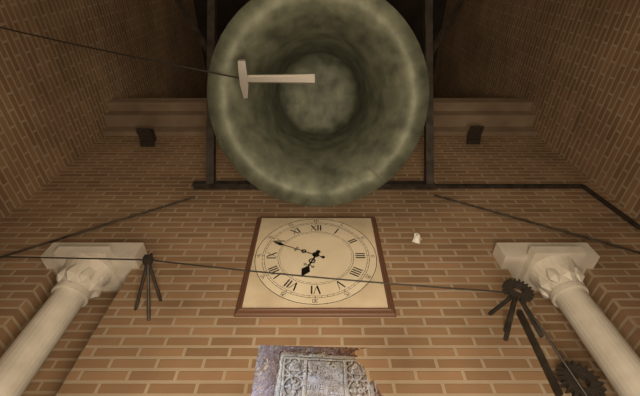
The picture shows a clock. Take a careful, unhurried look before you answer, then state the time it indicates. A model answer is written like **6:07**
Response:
**6:49**
